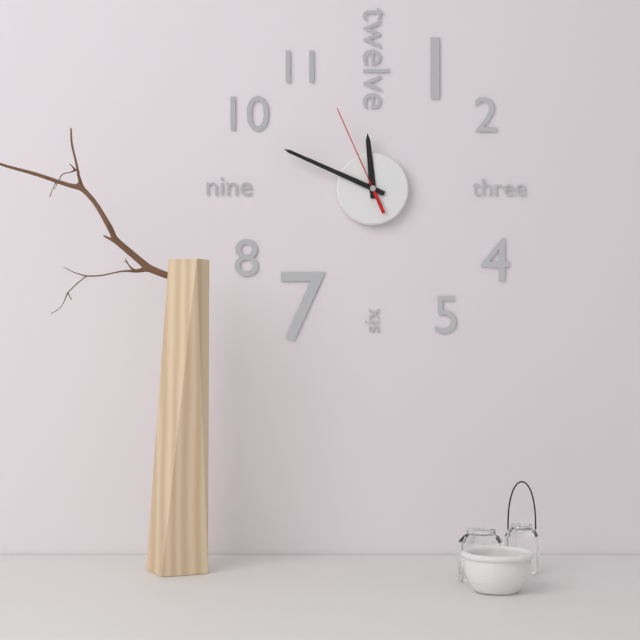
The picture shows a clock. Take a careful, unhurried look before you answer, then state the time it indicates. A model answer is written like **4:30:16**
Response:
**11:49:56**
